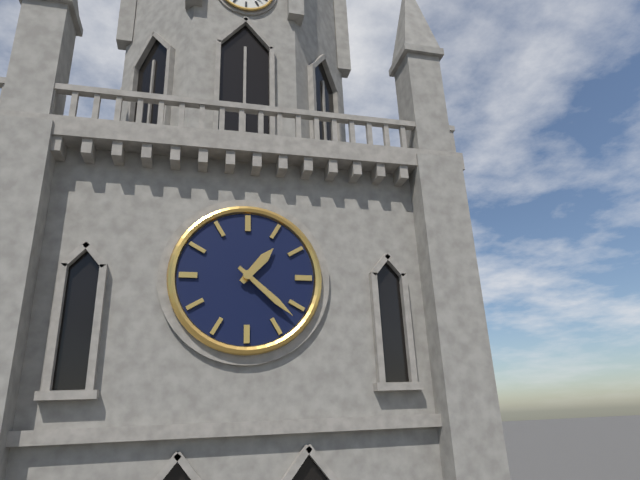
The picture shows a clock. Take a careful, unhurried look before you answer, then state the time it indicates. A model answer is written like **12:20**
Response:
**1:22**
